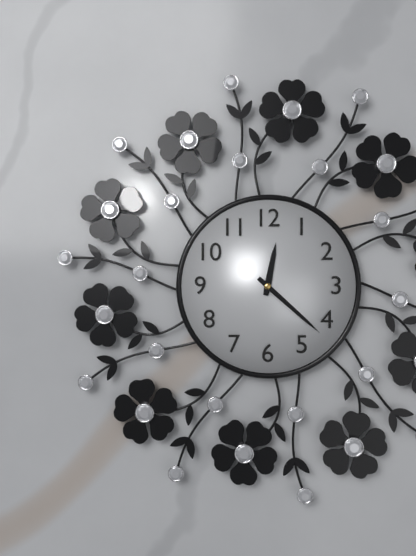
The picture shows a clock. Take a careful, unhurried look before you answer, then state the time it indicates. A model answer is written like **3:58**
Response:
**12:22**
